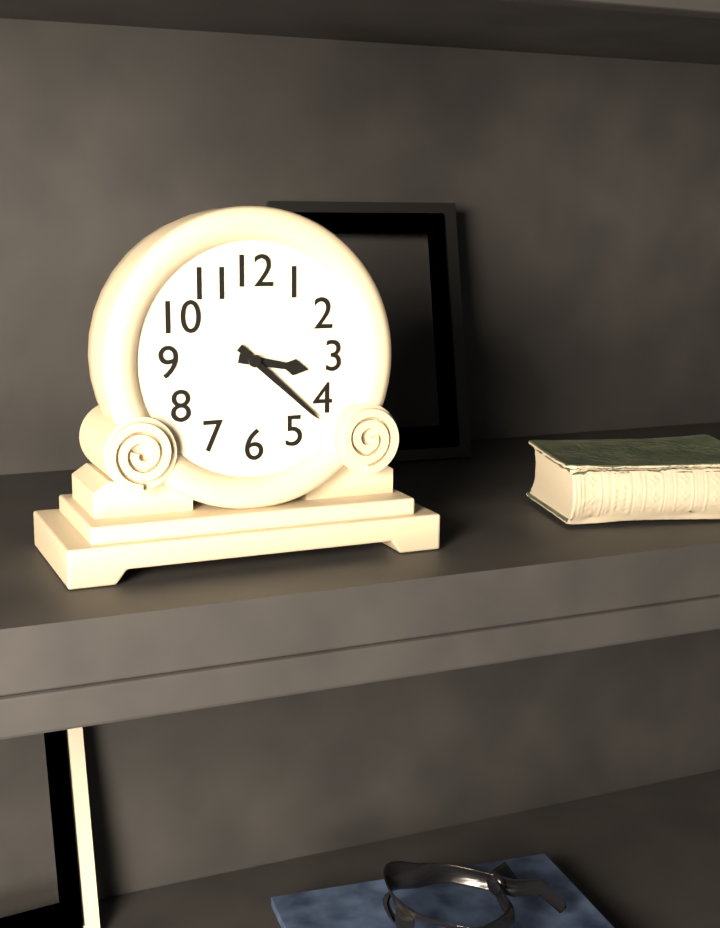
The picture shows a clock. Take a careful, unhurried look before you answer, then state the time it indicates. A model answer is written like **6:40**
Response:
**3:22**
